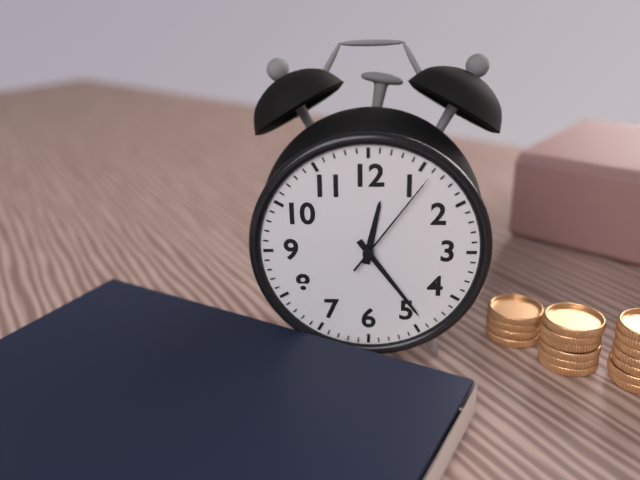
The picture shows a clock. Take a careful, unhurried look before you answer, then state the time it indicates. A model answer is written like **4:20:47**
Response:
**12:24:06**
